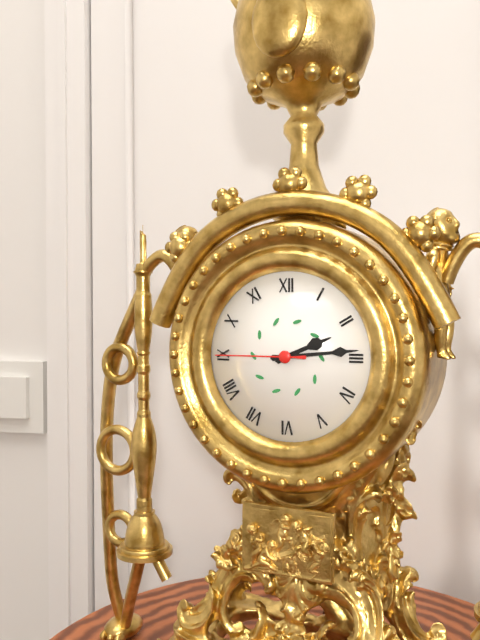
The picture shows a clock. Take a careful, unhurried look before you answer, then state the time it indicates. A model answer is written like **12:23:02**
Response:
**2:14:45**
